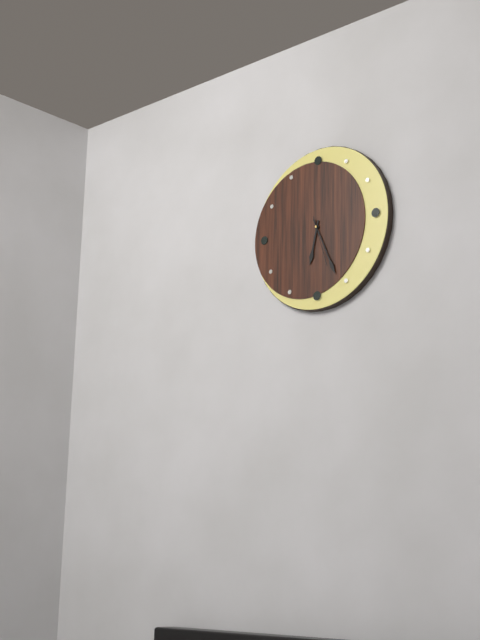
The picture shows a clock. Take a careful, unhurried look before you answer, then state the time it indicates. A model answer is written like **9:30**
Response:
**6:26**
